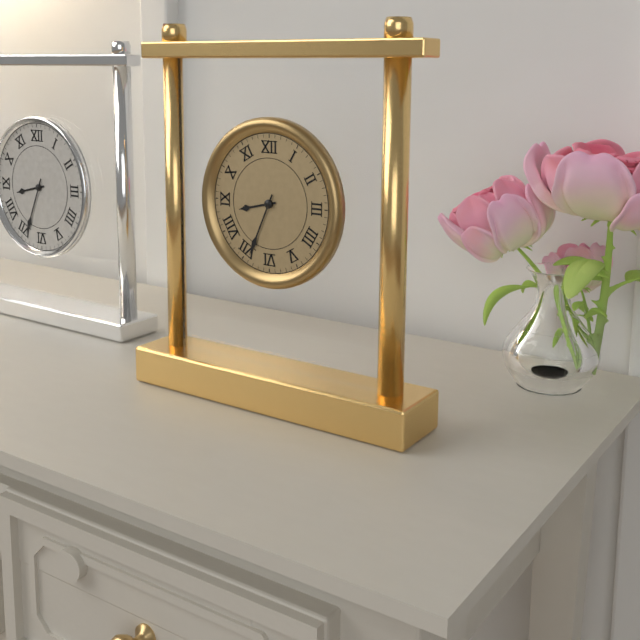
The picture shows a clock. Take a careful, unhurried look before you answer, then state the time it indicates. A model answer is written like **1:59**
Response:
**8:34**
